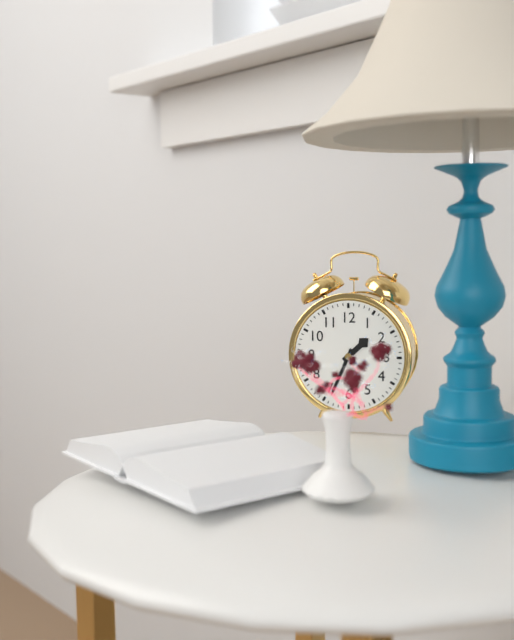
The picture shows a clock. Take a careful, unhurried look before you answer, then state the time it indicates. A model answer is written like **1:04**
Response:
**1:34**
